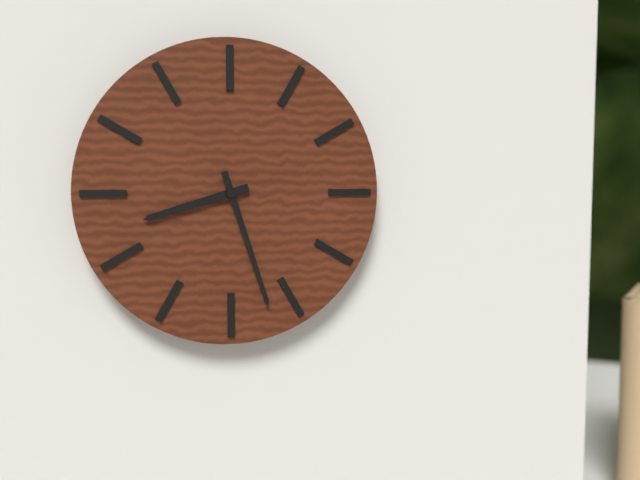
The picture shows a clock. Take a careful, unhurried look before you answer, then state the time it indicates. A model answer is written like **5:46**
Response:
**8:27**
